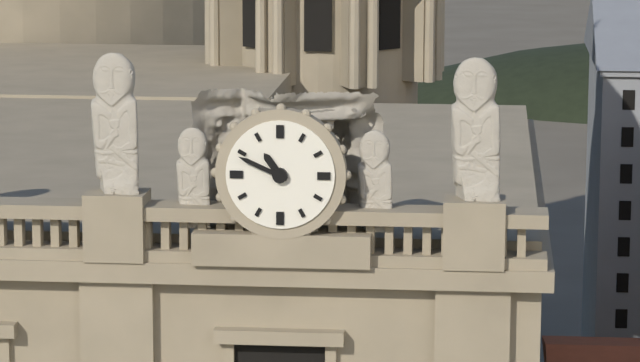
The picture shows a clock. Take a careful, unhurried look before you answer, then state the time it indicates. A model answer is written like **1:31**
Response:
**10:49**
